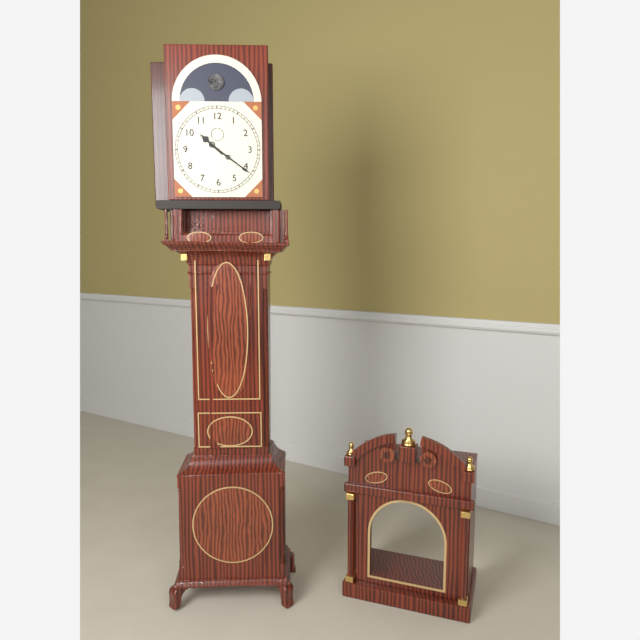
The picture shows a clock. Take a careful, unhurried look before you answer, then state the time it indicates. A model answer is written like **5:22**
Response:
**10:21**
